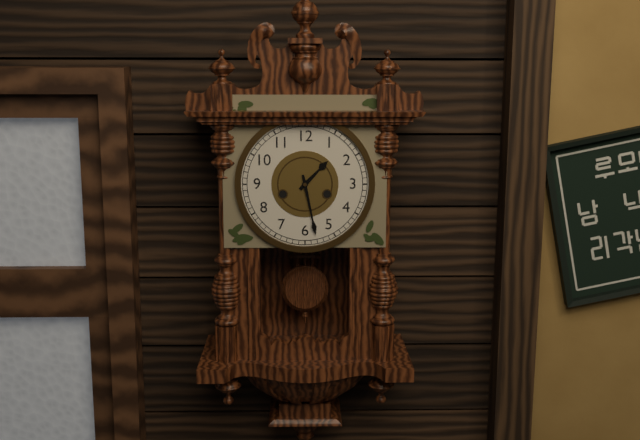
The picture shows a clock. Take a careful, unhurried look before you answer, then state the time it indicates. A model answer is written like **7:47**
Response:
**1:28**
